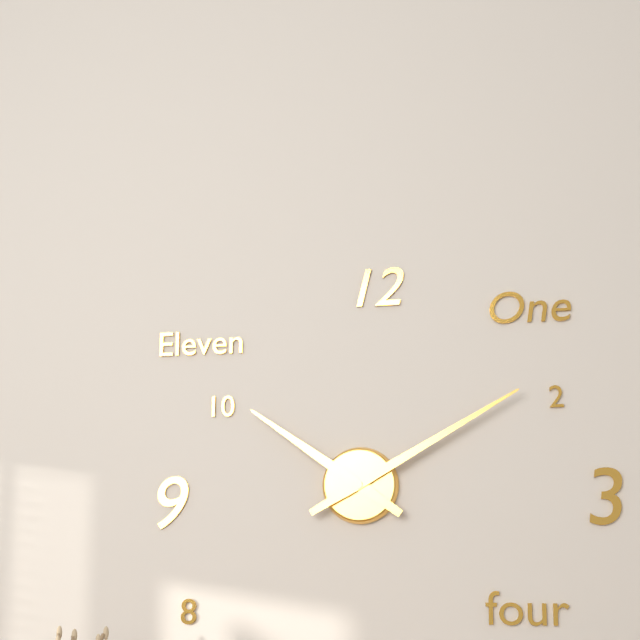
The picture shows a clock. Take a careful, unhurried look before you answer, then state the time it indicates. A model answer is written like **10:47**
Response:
**10:10**
